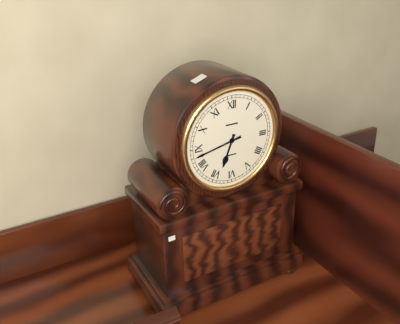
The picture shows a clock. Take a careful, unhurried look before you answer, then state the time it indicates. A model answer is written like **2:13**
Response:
**6:43**
